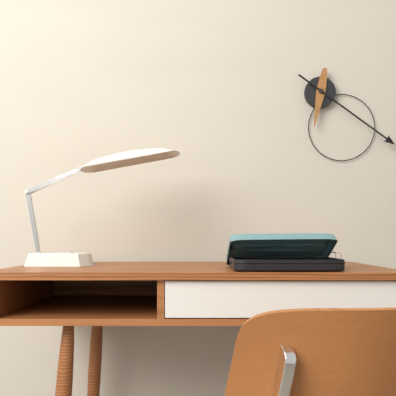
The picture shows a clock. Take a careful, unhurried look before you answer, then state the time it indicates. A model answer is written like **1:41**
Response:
**6:21**
